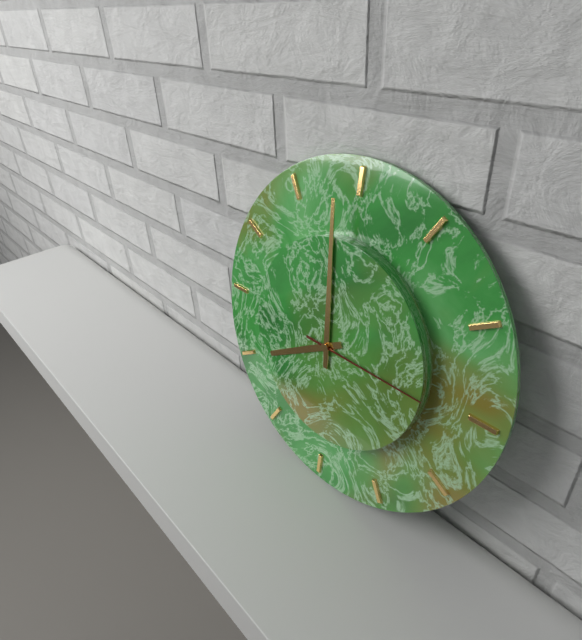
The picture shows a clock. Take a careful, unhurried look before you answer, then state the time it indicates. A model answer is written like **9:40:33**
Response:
**7:59:15**
